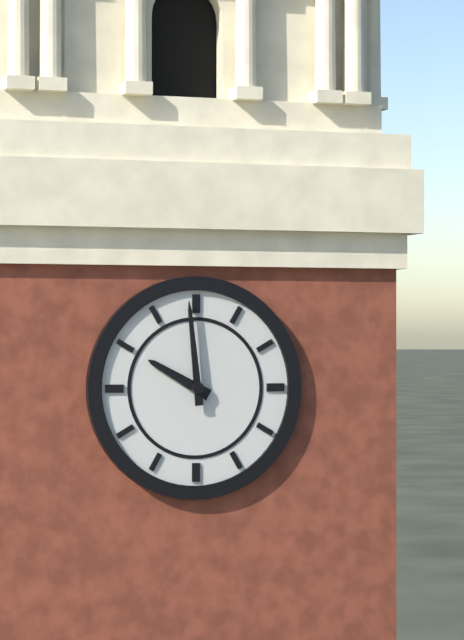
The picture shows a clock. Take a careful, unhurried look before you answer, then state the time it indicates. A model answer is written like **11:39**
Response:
**9:59**
